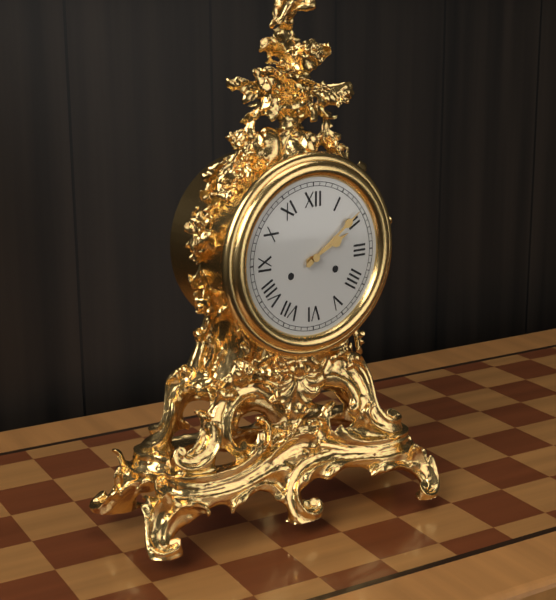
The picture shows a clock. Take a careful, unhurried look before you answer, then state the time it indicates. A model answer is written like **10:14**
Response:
**2:09**
